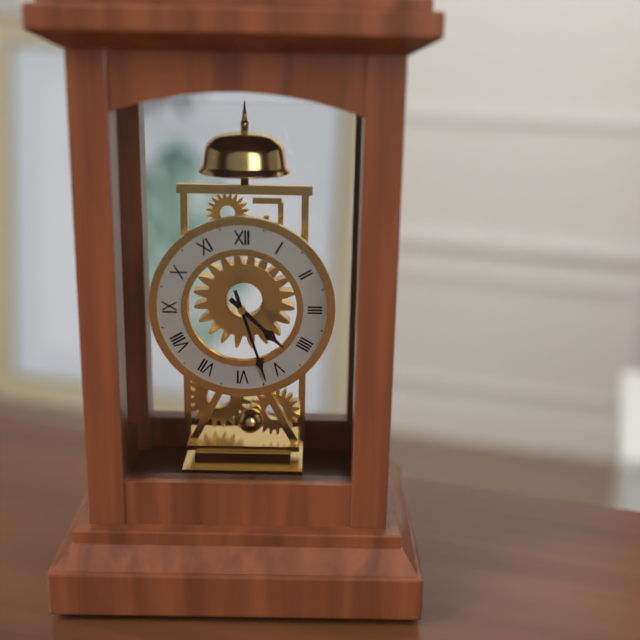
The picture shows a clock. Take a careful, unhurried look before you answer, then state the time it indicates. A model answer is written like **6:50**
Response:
**4:27**
